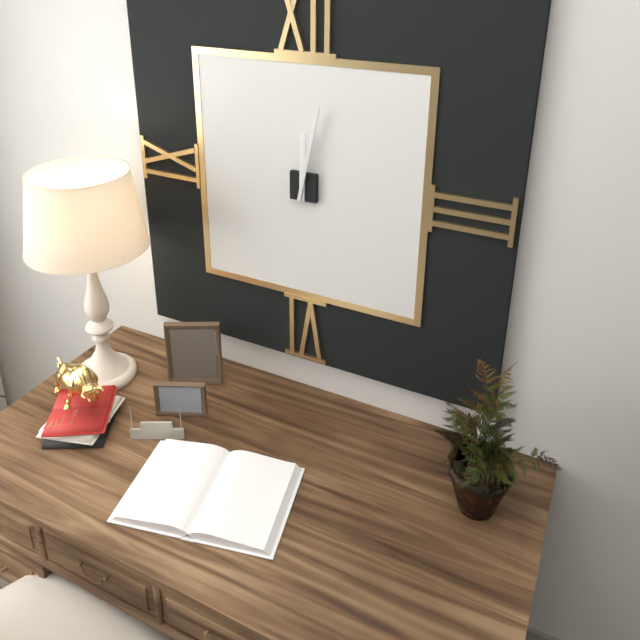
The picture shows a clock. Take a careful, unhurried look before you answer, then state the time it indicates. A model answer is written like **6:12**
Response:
**12:02**
